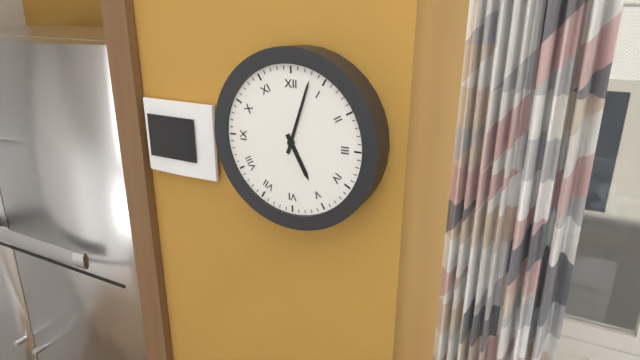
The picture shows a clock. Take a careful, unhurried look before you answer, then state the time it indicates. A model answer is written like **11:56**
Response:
**5:03**
